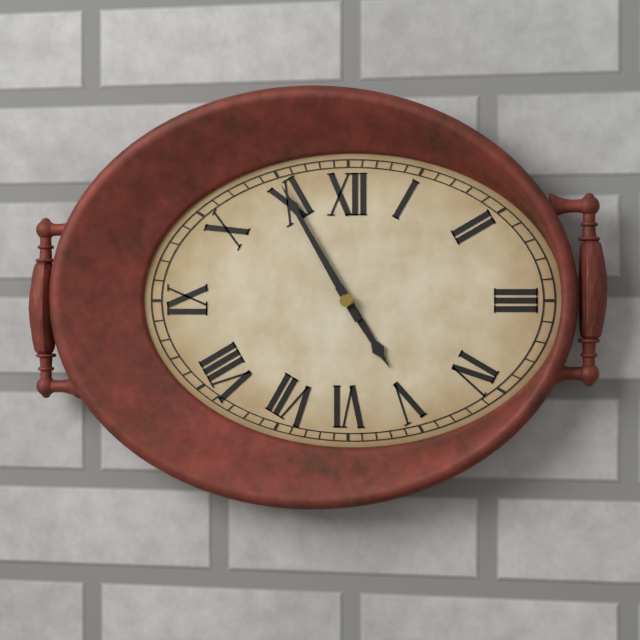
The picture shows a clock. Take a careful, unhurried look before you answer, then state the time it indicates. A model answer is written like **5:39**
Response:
**4:55**
